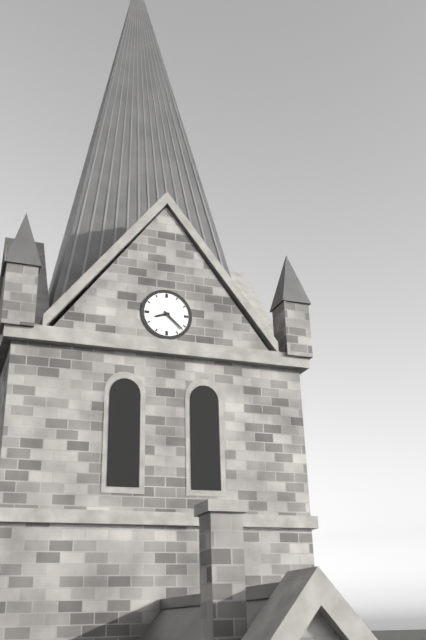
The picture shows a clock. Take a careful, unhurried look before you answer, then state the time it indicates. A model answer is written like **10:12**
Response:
**8:22**
